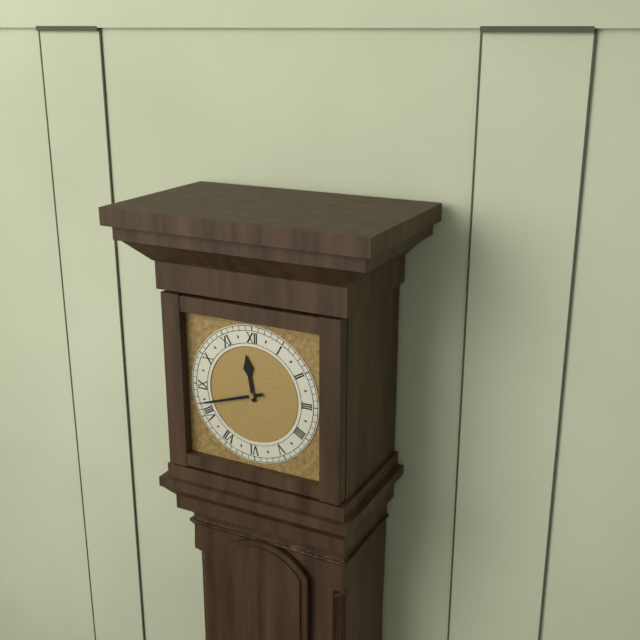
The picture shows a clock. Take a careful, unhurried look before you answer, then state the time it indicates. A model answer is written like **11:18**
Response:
**11:42**
